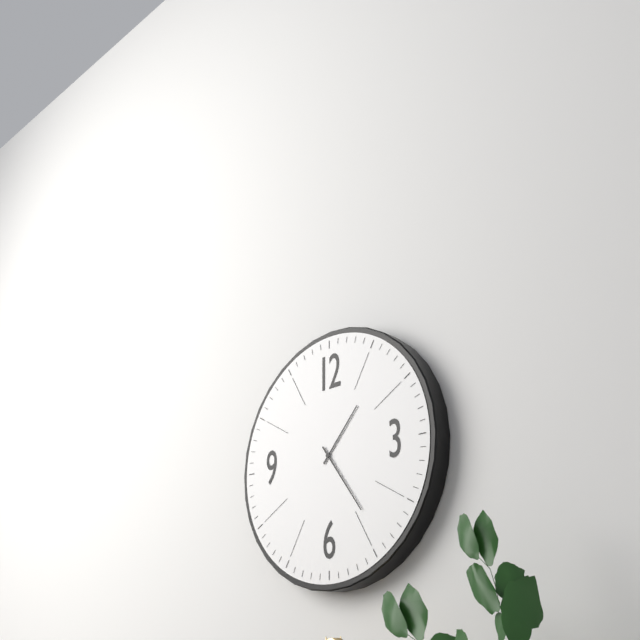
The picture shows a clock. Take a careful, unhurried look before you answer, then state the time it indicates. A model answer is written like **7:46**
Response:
**1:24**
